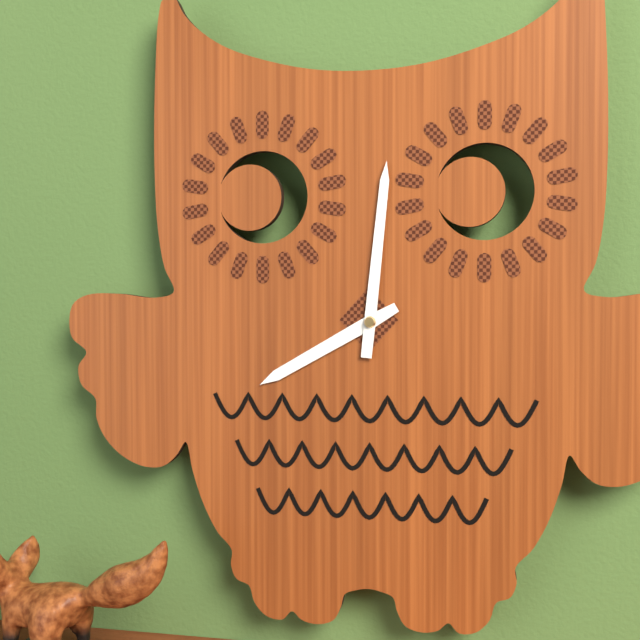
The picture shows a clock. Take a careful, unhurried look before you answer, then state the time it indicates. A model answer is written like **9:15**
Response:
**8:01**
